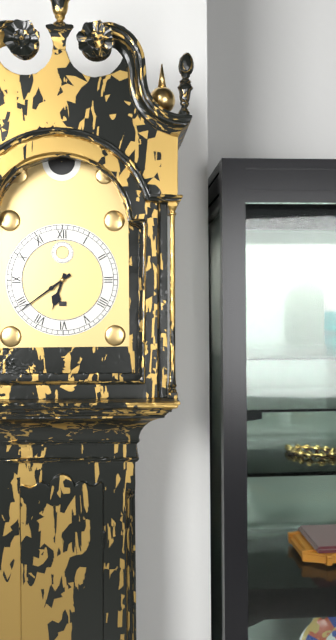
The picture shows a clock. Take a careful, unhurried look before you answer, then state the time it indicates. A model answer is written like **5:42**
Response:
**6:39**
